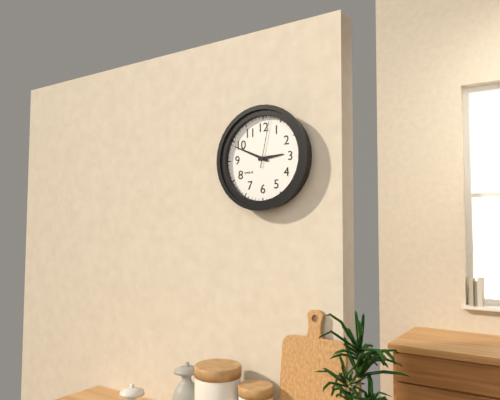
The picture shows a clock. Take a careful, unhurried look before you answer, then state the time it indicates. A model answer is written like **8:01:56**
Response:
**2:49:02**
